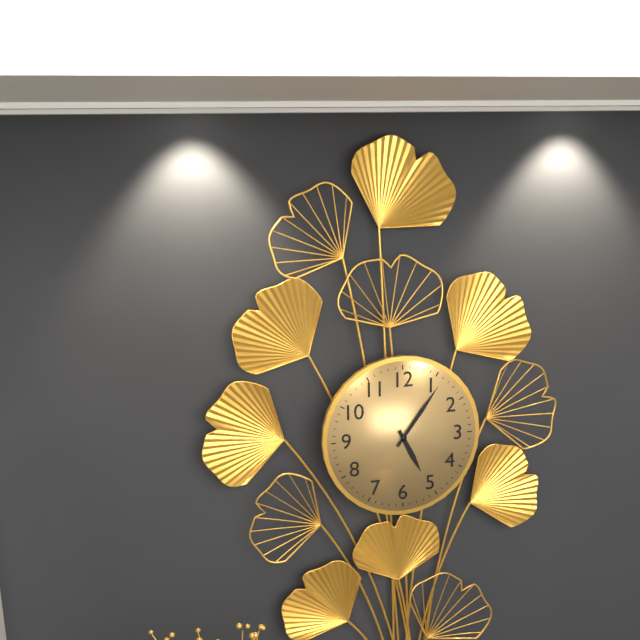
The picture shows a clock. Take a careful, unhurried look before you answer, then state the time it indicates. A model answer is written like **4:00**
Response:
**5:06**
